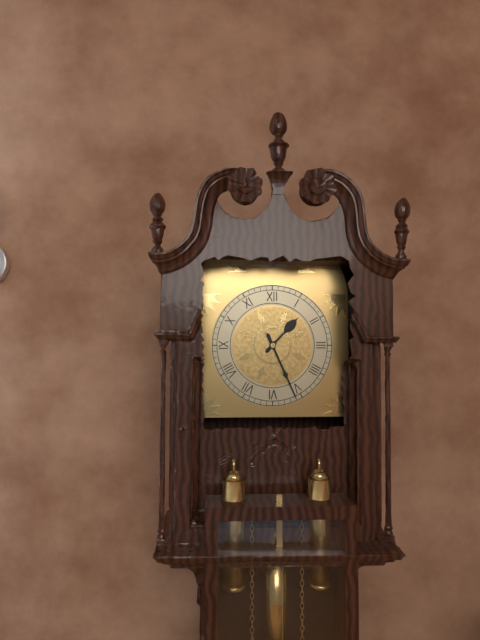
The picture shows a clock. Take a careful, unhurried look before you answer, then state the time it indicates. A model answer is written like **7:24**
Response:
**1:26**
